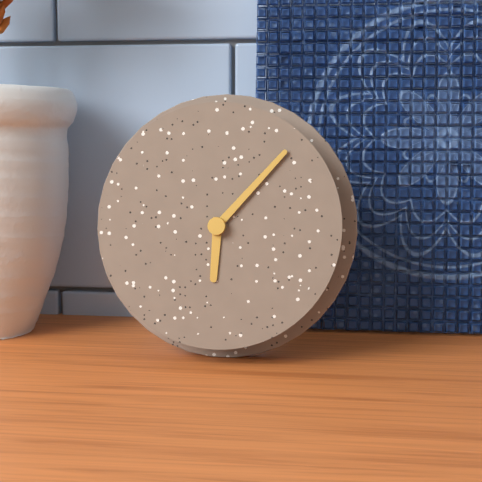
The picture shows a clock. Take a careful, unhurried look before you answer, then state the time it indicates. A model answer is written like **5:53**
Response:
**6:07**
